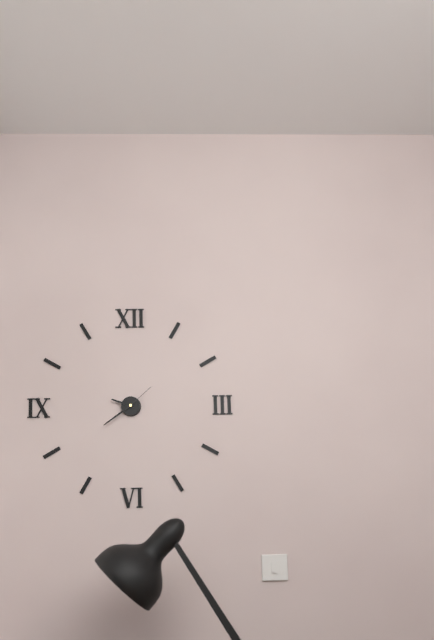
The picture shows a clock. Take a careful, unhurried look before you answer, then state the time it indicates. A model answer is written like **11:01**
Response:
**9:39**
